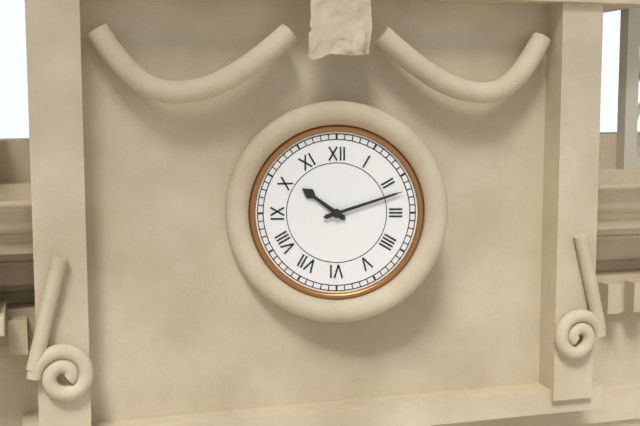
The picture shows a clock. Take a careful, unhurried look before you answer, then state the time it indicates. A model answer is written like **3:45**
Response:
**10:12**
